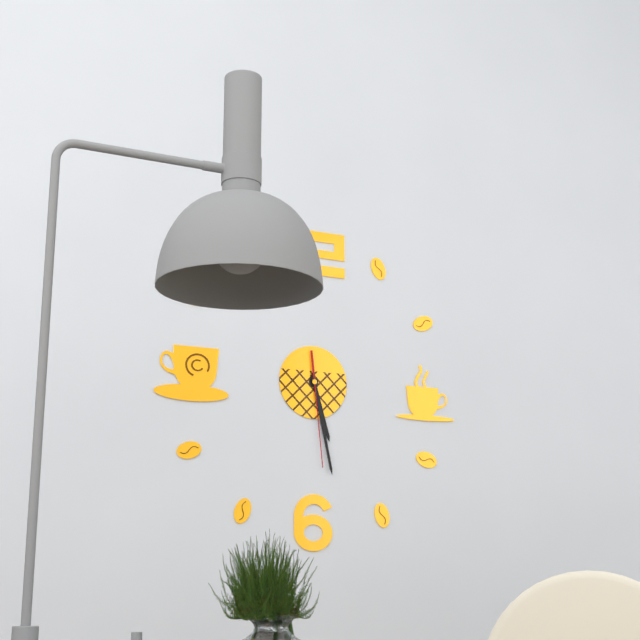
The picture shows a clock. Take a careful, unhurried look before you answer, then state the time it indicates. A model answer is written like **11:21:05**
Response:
**5:28:29**
